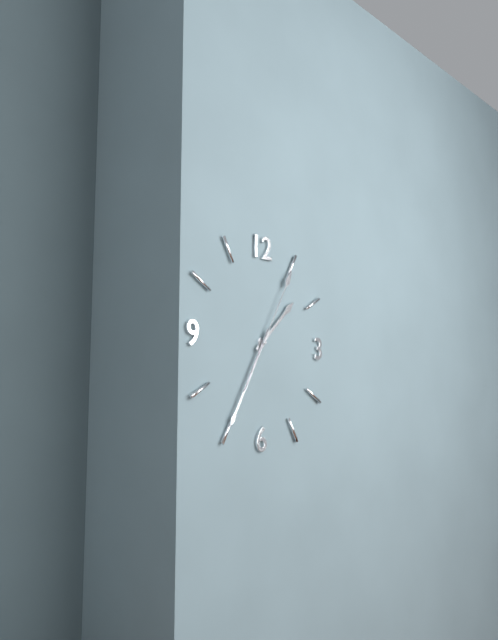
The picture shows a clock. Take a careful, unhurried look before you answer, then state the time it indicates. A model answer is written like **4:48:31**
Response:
**1:35:05**
